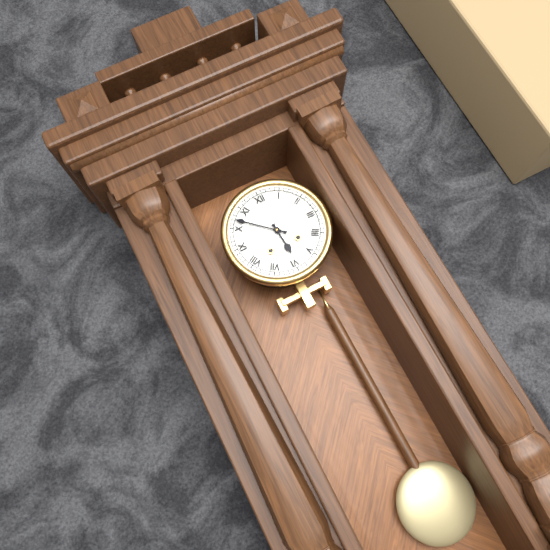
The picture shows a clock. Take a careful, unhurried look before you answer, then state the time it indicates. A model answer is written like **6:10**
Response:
**5:52**
